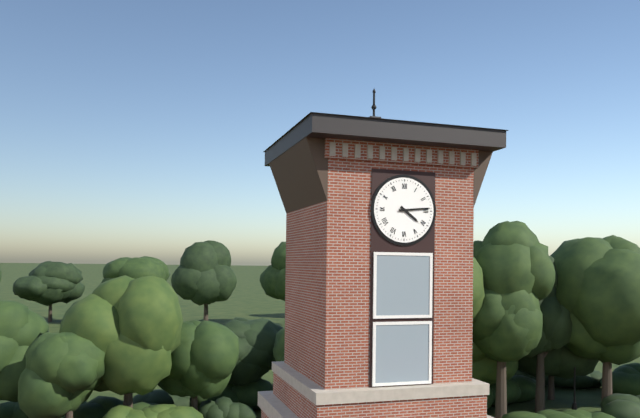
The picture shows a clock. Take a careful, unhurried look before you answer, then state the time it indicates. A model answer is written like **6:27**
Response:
**4:14**
